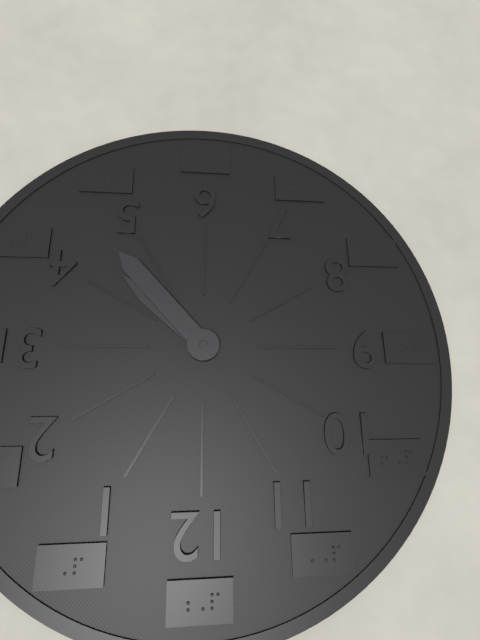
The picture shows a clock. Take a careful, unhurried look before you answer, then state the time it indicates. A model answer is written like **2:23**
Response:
**4:23**
